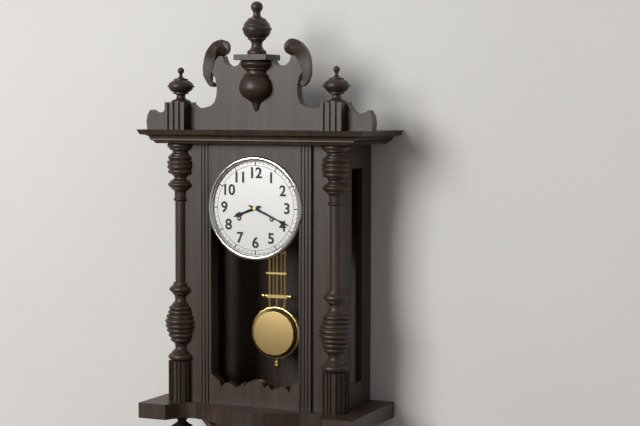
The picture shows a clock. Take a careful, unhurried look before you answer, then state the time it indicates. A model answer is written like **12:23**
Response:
**8:19**
